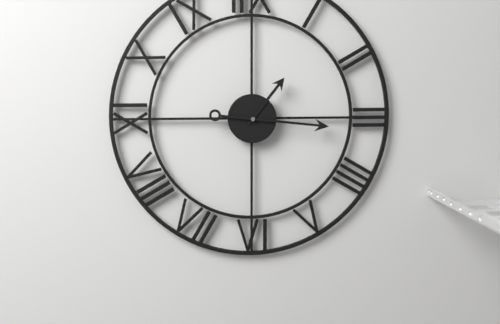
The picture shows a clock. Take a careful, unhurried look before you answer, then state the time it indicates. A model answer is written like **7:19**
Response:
**1:16**
